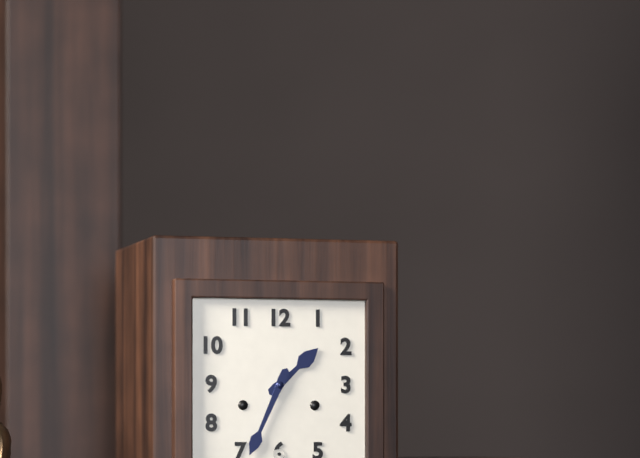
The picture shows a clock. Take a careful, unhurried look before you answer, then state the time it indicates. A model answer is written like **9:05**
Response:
**1:34**
